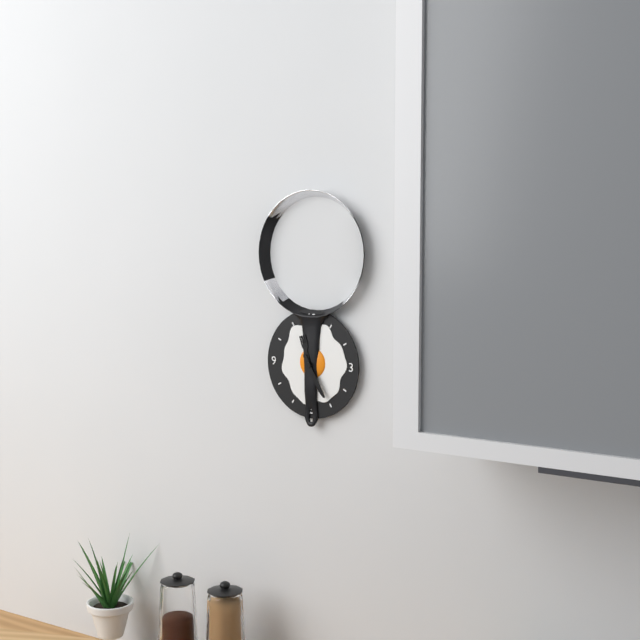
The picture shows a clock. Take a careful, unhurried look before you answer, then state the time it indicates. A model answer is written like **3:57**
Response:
**11:25**
